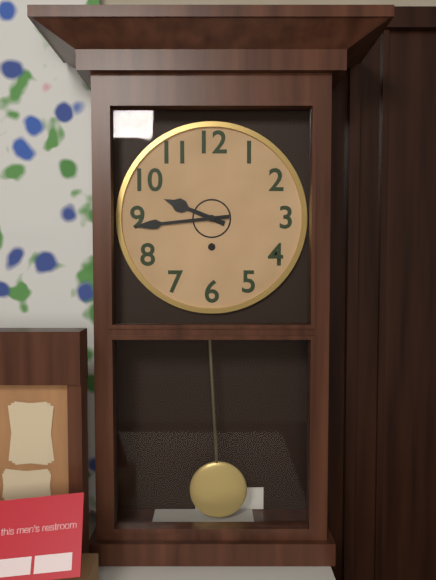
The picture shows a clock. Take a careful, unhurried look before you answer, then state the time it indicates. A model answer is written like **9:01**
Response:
**9:44**
